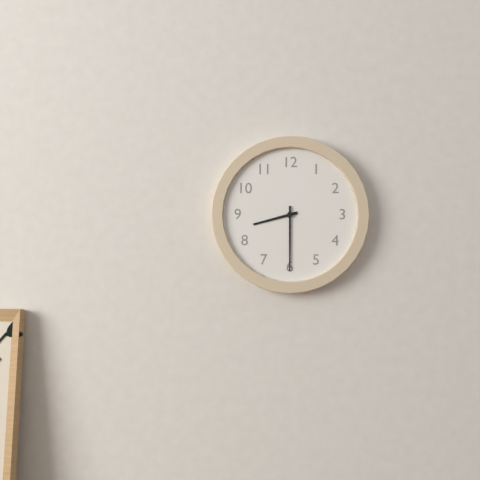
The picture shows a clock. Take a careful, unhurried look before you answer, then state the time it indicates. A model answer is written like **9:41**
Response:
**8:30**
